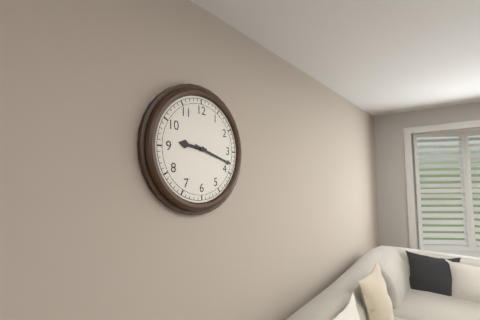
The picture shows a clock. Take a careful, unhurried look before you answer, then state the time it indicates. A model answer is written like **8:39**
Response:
**9:18**
